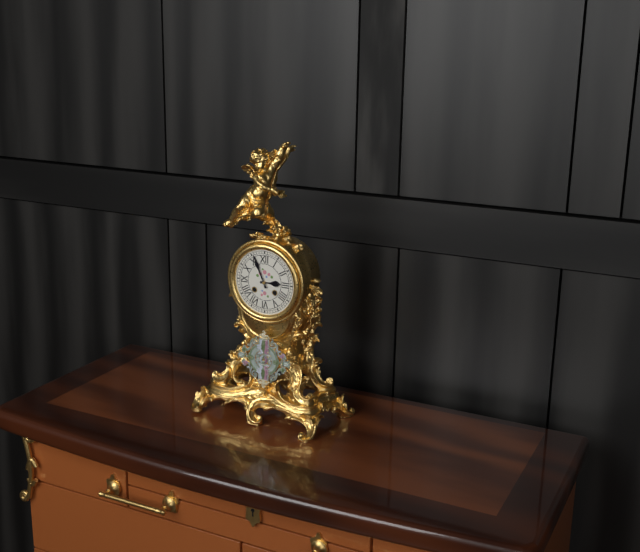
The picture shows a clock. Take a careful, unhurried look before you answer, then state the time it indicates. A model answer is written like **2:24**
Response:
**2:56**
